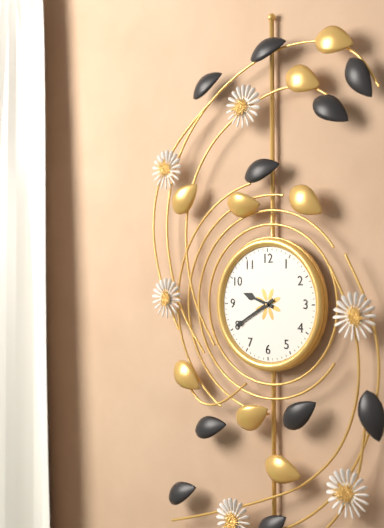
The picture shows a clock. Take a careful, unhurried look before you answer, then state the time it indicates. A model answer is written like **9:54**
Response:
**9:40**
